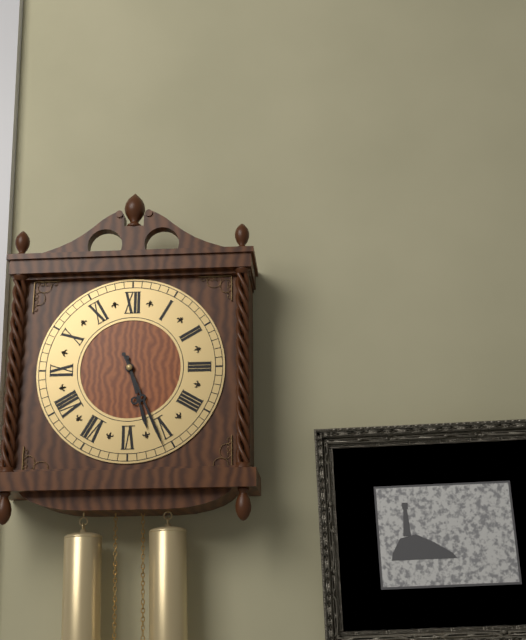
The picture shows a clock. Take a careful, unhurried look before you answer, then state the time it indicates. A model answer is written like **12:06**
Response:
**5:26**
